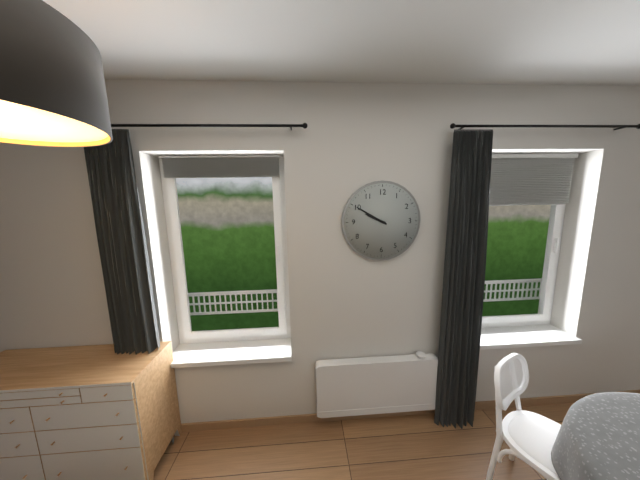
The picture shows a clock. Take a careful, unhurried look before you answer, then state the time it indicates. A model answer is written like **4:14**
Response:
**9:50**
